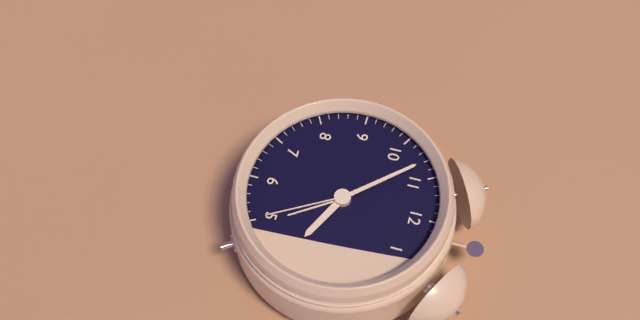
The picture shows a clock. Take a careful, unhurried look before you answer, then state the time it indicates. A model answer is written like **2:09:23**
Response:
**3:53:25**
